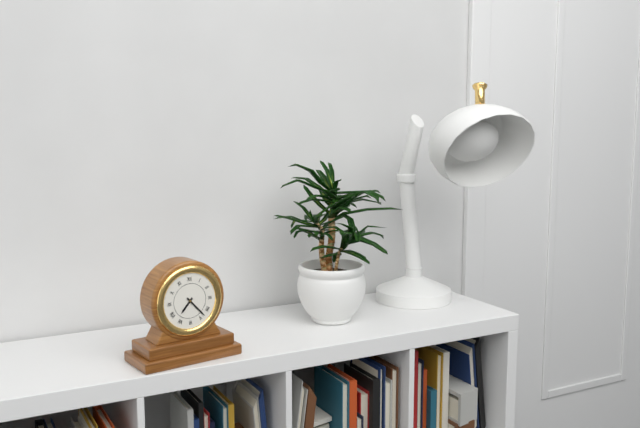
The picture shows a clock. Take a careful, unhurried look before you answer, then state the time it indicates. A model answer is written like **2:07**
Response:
**7:23**
